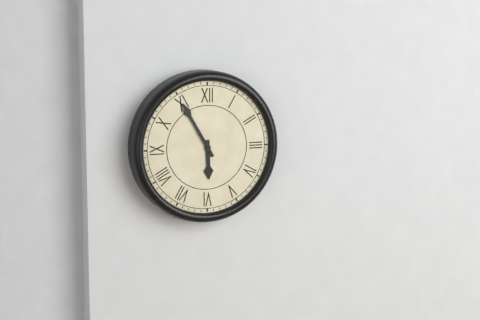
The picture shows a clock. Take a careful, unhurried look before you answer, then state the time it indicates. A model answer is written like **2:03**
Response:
**5:55**
